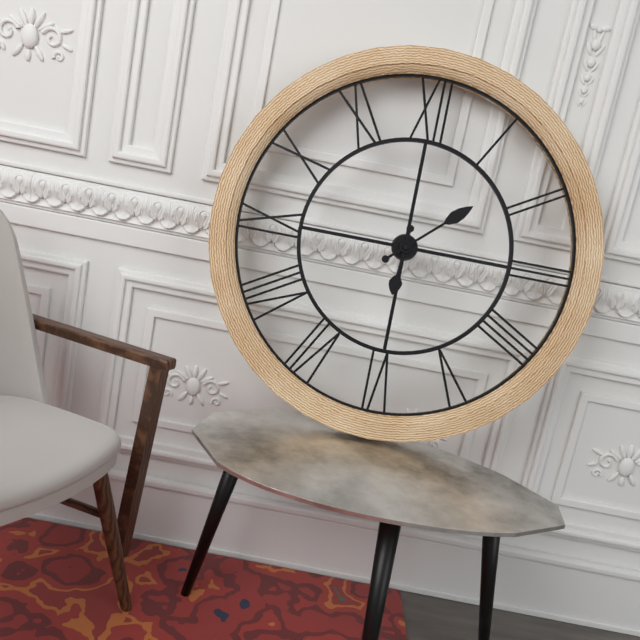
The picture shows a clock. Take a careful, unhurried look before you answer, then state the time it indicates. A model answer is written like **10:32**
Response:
**6:08**
